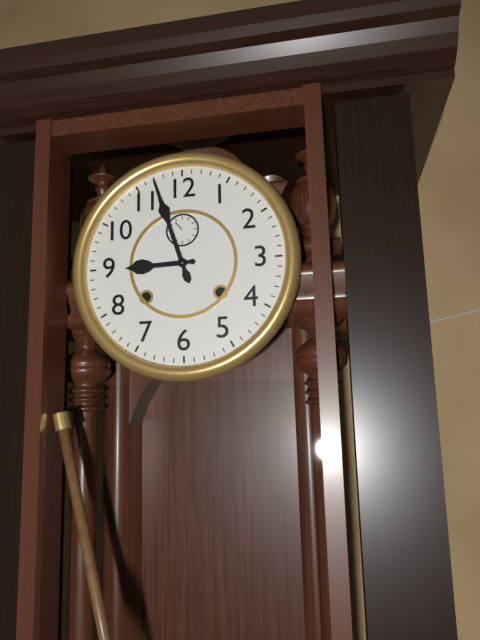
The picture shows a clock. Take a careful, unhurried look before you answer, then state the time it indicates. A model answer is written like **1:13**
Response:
**8:57**
